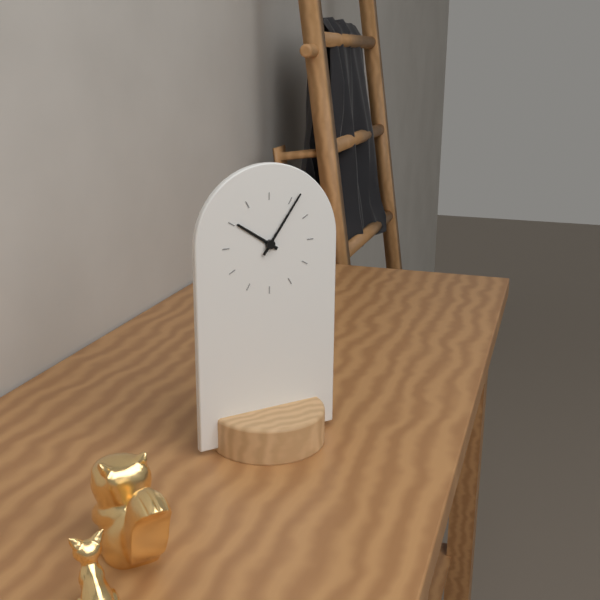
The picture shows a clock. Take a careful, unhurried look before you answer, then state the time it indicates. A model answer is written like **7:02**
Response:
**10:06**
